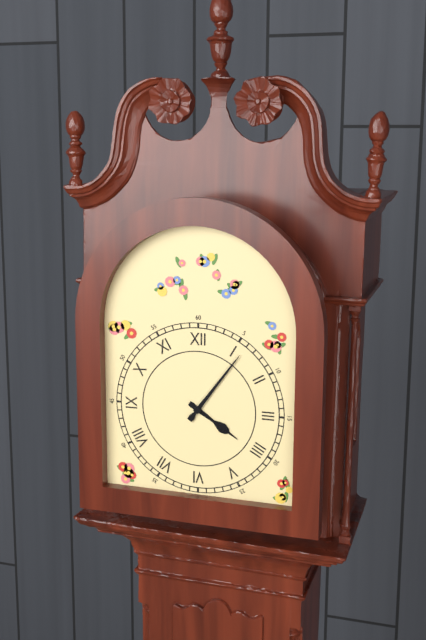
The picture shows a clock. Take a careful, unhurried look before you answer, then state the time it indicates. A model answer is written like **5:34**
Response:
**4:06**
